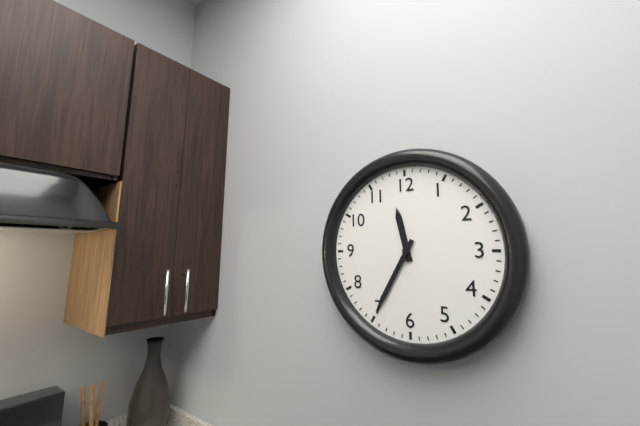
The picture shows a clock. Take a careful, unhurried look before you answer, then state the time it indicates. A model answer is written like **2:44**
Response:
**11:35**
